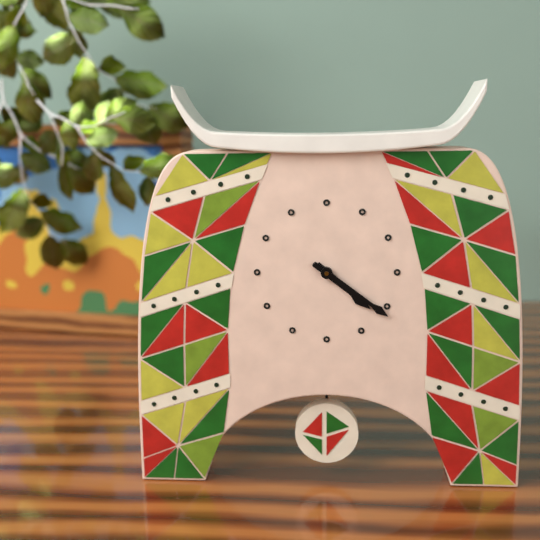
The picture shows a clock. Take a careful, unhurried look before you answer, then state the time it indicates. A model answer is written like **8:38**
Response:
**4:21**
